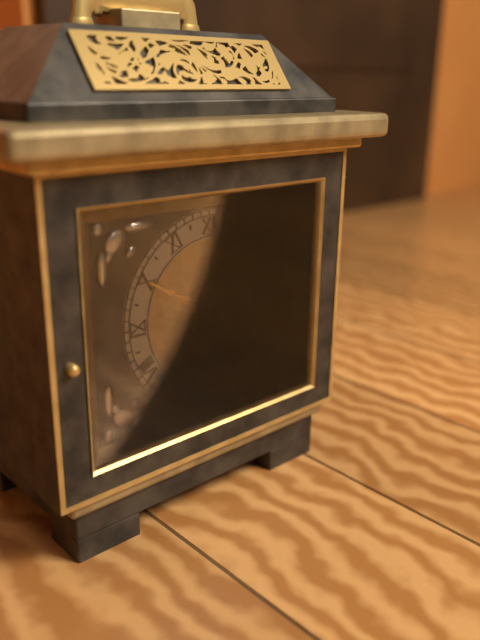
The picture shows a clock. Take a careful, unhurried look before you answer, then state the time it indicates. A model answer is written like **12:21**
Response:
**1:50**
